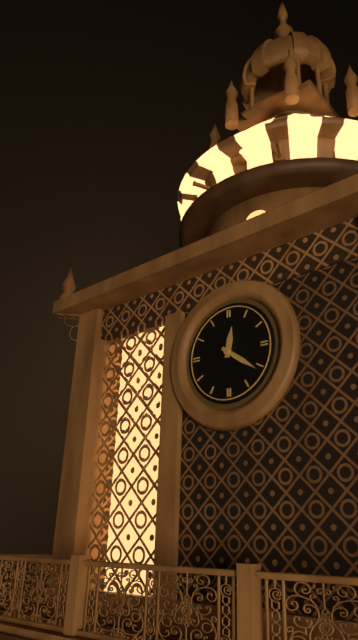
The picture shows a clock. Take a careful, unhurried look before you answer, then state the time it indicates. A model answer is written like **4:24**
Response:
**12:21**
